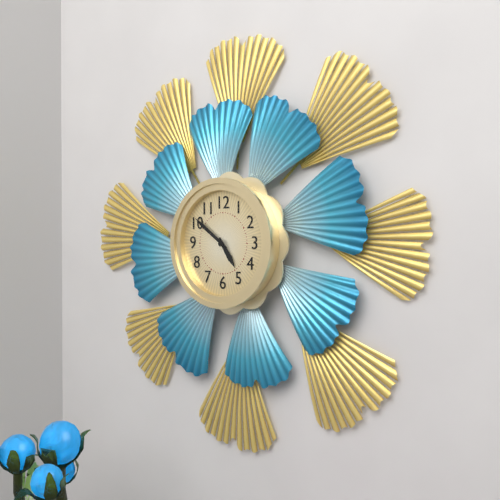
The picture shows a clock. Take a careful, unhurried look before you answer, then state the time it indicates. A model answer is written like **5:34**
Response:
**4:51**
